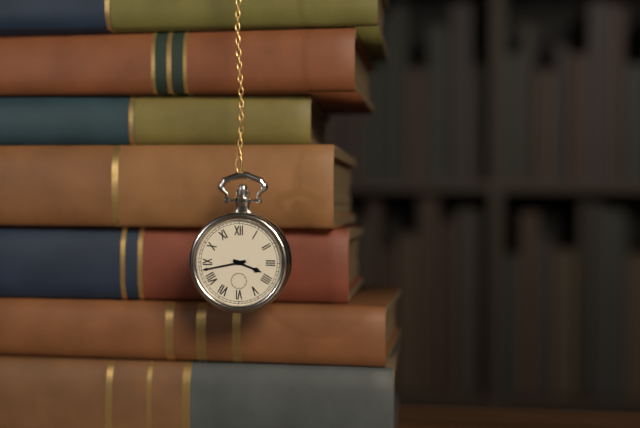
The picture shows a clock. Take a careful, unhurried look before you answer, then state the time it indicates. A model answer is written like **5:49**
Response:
**3:43**
